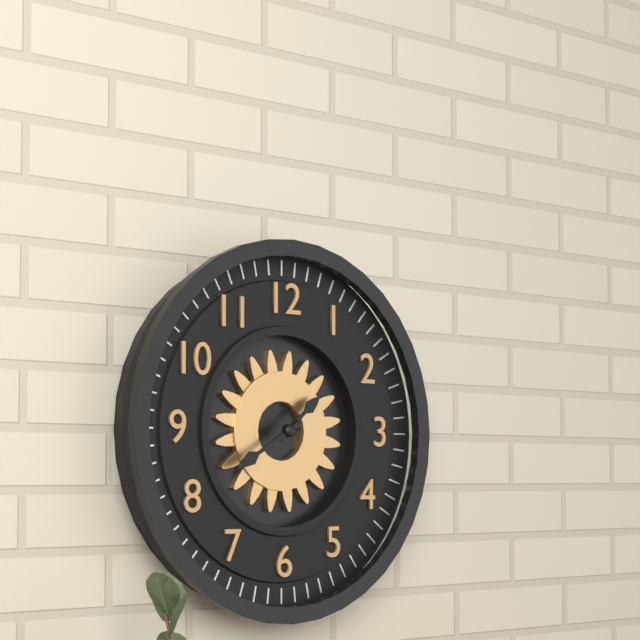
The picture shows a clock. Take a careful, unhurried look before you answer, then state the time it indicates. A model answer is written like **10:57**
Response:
**1:40**
